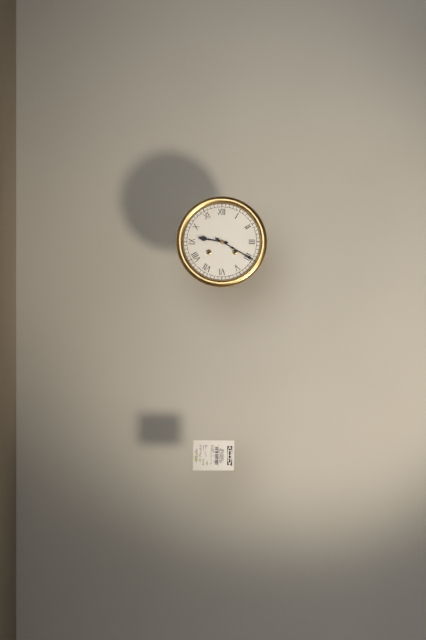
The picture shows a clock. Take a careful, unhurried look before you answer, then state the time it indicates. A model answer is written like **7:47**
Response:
**9:20**
